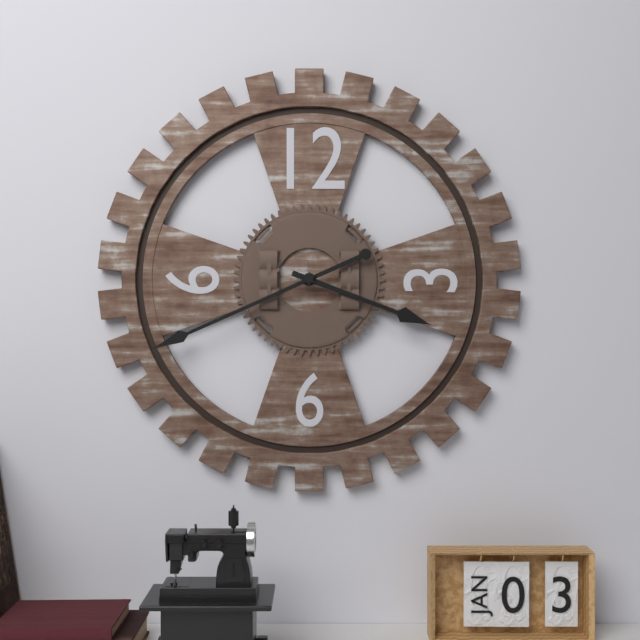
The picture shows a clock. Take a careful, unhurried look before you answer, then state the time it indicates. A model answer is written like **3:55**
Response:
**3:41**
